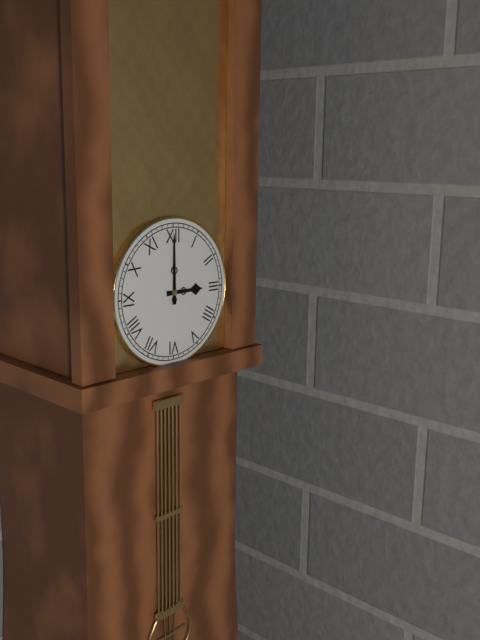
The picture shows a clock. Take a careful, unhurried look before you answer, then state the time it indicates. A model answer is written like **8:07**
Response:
**3:00**
